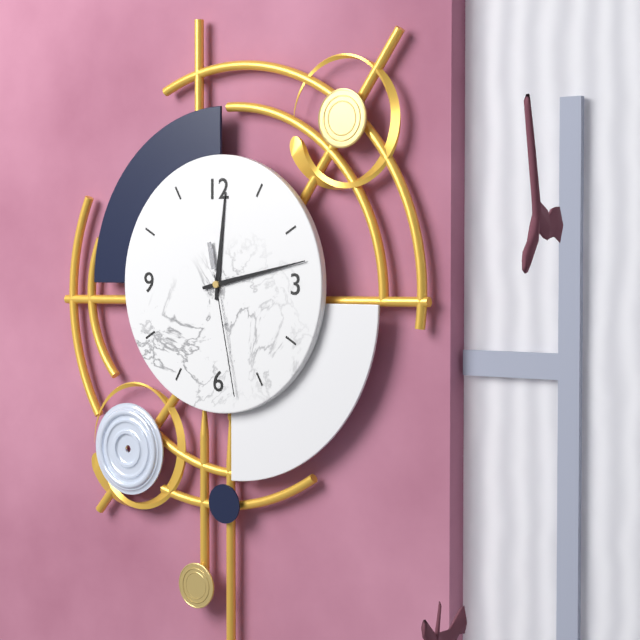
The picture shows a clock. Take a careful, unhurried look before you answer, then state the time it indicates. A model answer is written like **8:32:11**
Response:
**12:13:28**
